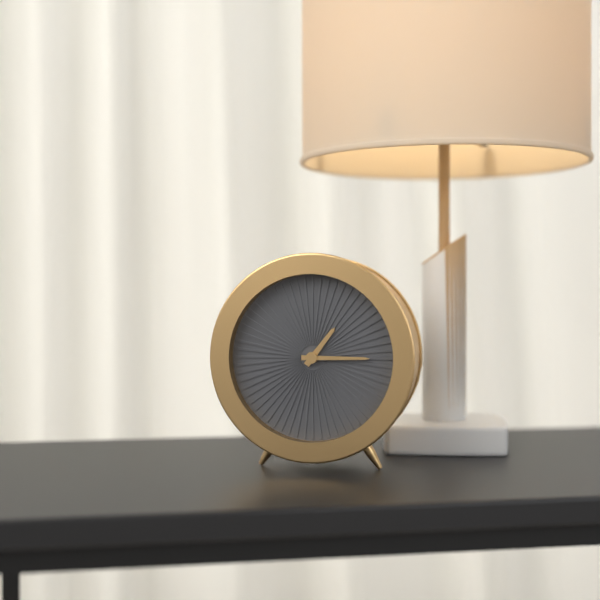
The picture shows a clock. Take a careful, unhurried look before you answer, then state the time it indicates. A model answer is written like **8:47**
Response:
**1:15**
